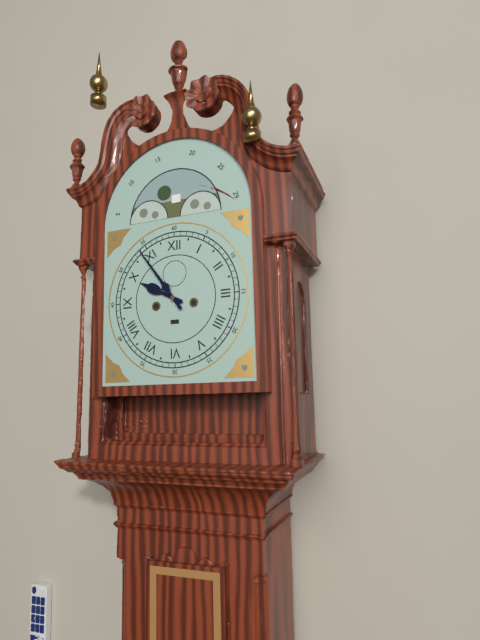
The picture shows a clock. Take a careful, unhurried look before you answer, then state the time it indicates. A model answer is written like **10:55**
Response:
**9:54**
